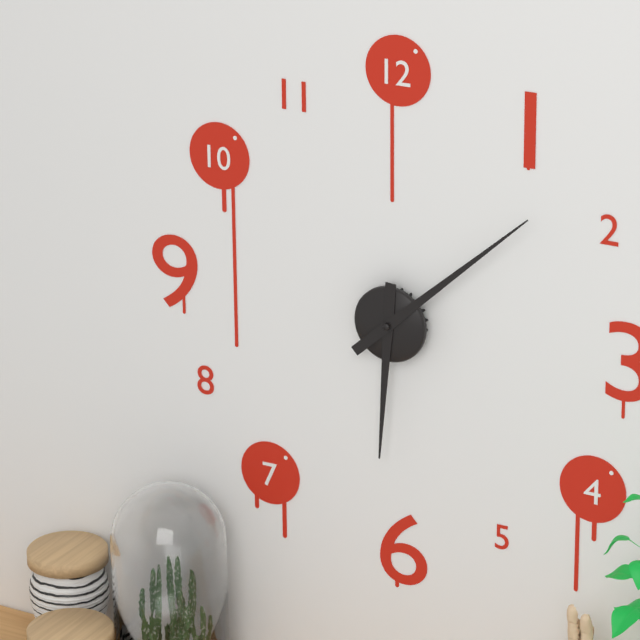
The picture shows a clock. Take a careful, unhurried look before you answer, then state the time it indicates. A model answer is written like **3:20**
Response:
**6:08**
